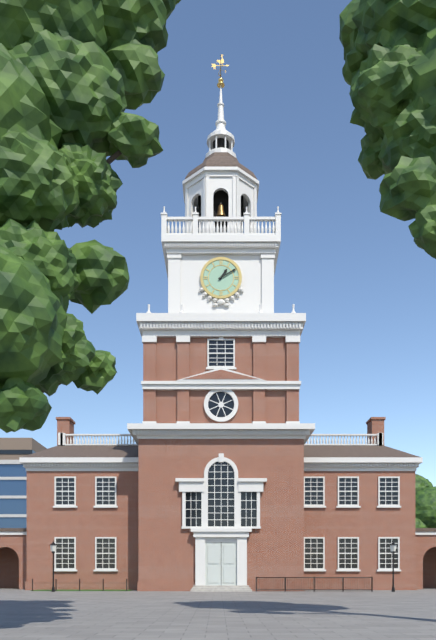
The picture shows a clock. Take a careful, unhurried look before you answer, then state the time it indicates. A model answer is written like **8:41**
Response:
**1:10**
